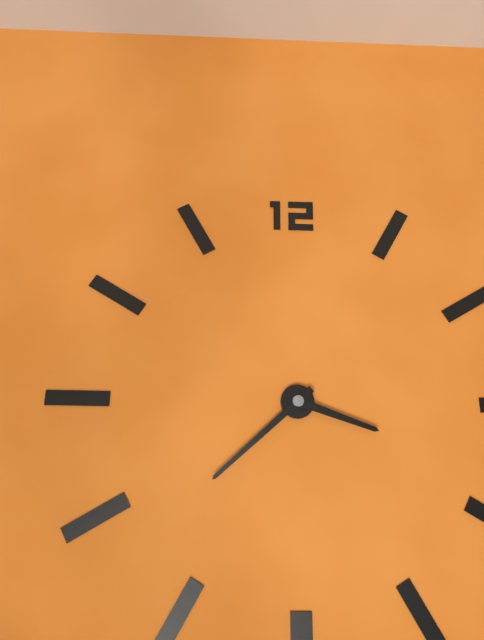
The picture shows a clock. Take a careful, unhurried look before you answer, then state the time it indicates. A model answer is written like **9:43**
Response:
**3:38**
